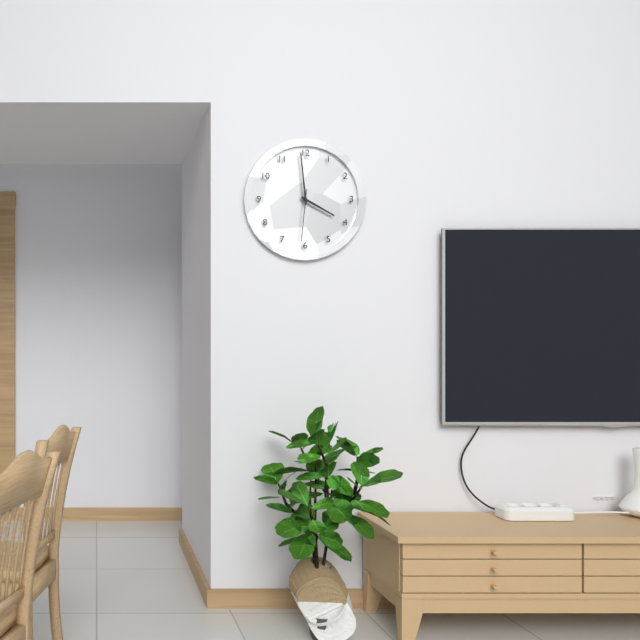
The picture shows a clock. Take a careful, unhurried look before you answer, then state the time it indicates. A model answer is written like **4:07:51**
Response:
**3:59:31**
